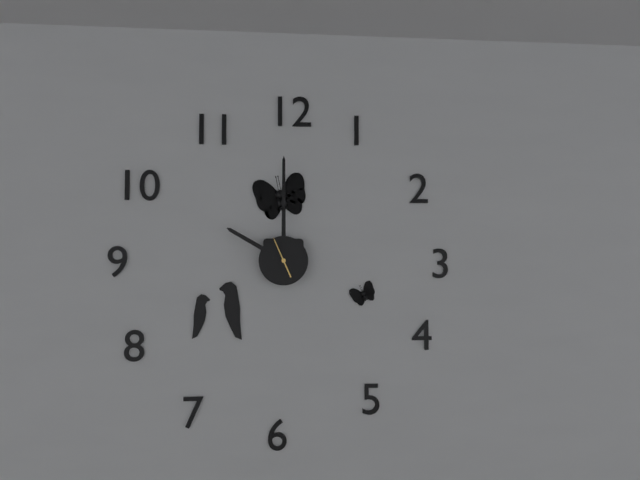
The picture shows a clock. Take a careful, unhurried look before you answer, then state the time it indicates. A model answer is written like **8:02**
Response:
**10:00**
